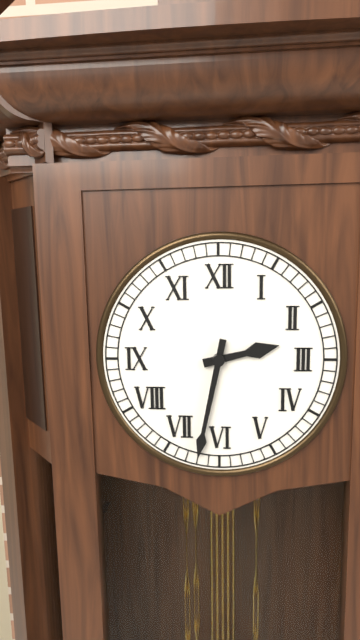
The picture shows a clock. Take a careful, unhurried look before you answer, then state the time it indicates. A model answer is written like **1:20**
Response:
**2:32**
